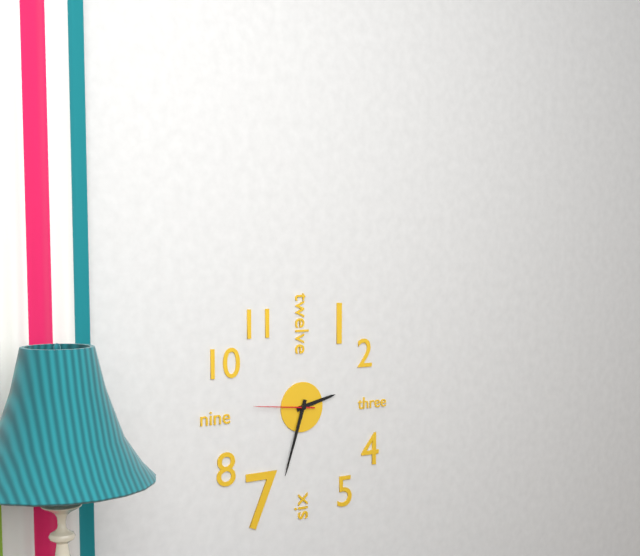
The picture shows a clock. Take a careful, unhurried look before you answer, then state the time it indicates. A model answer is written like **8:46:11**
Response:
**2:33:46**
